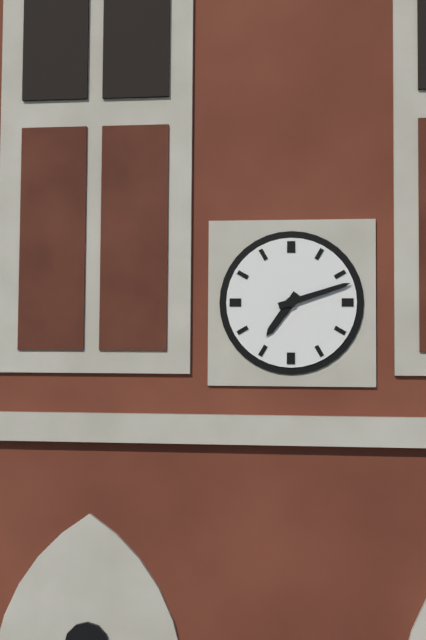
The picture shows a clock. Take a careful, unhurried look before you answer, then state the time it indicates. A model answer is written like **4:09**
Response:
**7:12**
